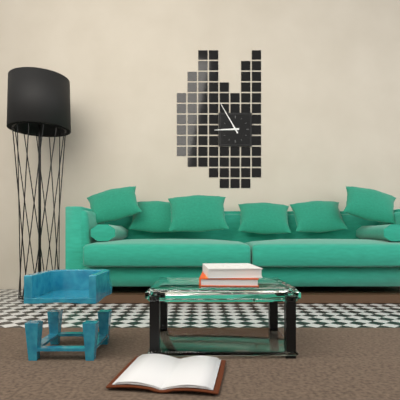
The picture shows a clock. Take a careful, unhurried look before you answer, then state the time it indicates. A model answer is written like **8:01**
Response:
**8:55**
